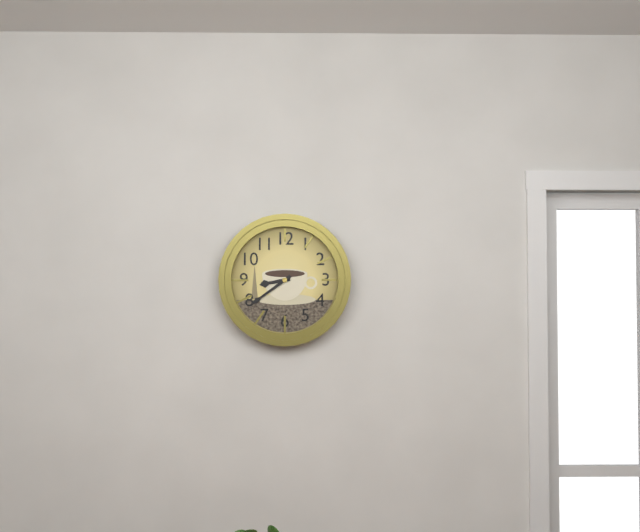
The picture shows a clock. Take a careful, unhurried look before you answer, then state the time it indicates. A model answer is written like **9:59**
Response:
**8:39**
